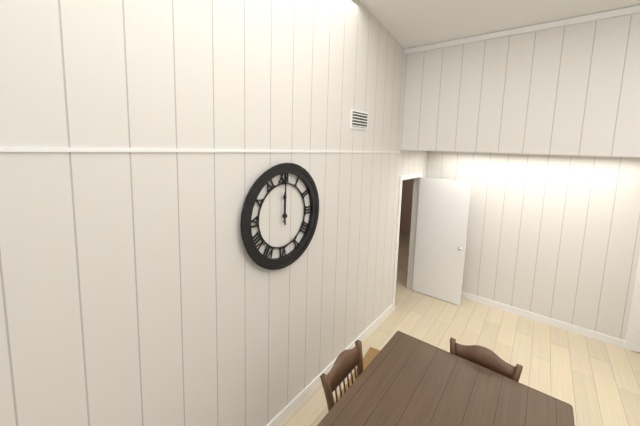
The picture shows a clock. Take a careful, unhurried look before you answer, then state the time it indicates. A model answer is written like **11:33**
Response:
**12:00**
